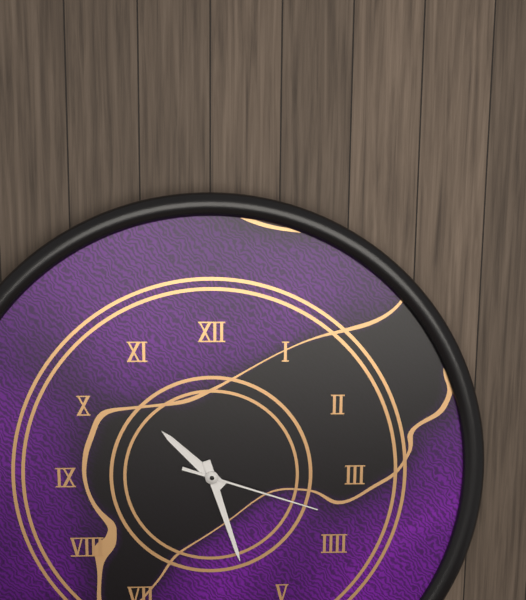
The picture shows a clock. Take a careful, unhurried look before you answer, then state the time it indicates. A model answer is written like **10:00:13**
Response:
**10:27:18**
